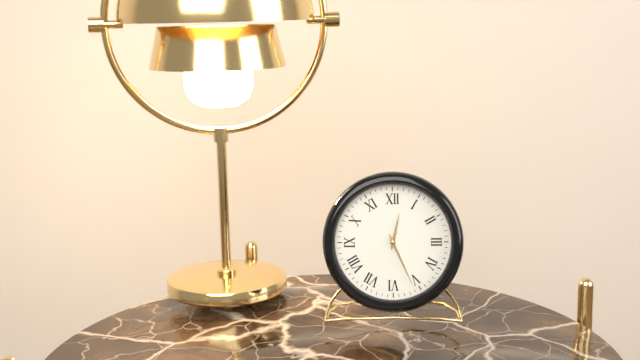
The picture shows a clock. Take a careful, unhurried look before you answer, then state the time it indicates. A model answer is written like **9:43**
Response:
**12:26**
